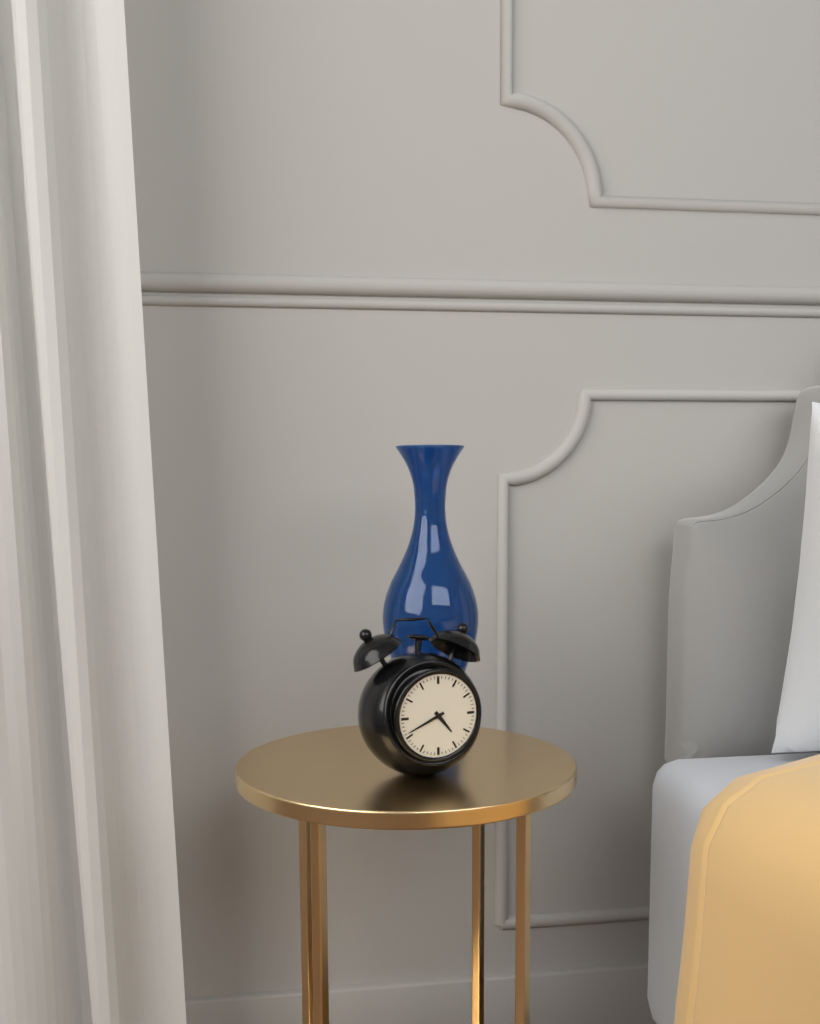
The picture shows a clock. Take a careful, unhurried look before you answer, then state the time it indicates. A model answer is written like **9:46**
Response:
**4:41**
